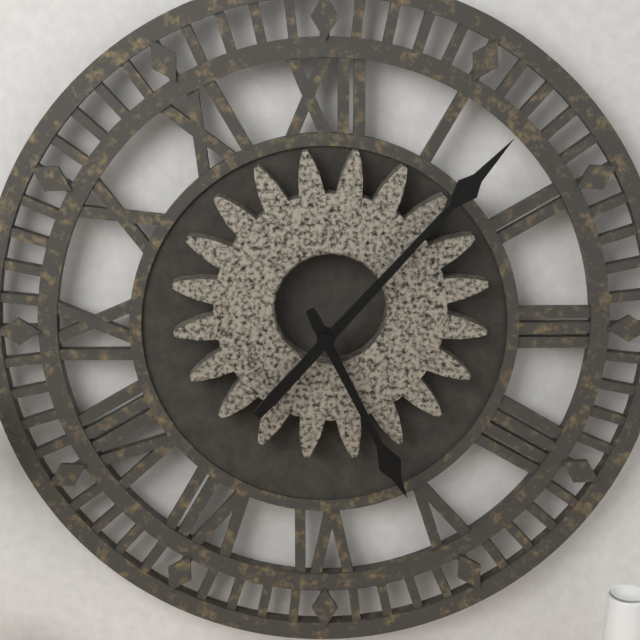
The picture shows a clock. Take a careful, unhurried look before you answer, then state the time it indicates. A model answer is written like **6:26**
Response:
**5:07**
